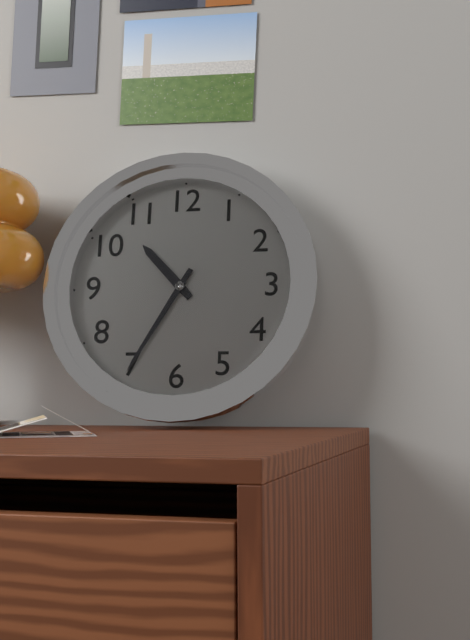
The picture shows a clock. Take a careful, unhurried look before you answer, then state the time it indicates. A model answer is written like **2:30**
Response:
**10:35**
